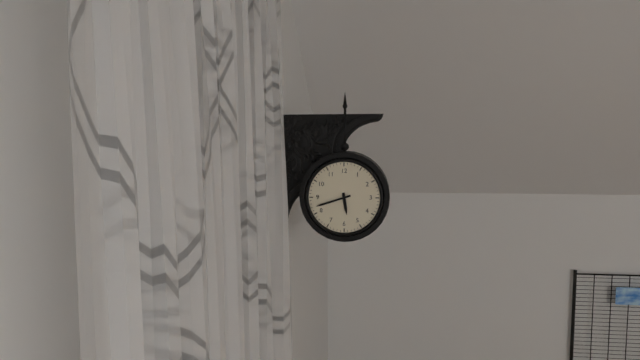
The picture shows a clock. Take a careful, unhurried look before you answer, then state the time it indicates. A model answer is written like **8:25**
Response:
**5:42**
